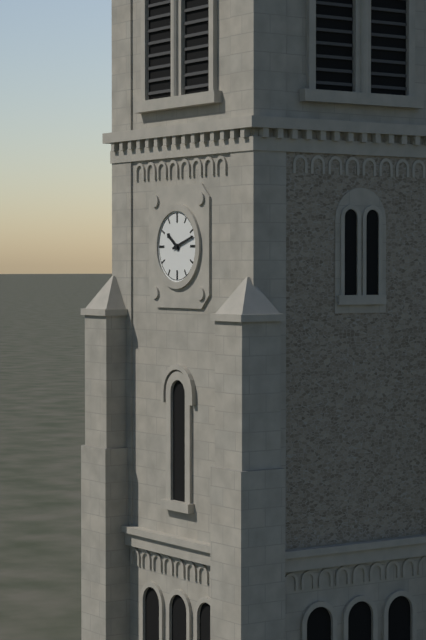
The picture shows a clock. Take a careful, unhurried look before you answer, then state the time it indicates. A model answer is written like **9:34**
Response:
**10:12**
